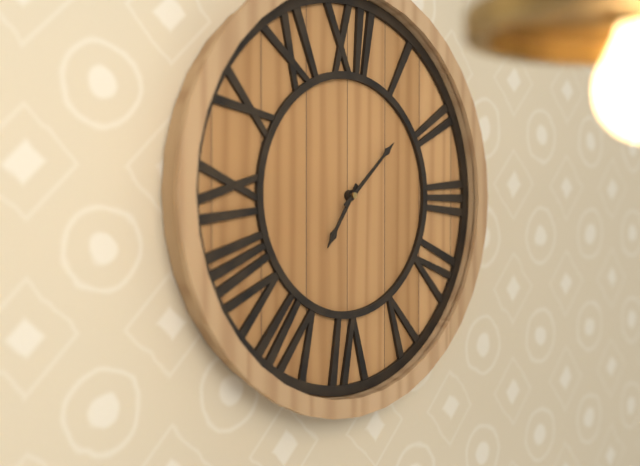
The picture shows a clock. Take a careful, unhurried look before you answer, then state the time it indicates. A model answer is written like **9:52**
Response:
**7:08**
